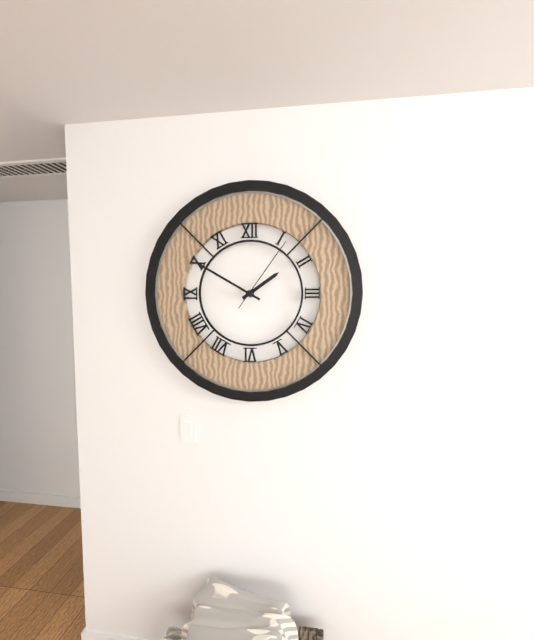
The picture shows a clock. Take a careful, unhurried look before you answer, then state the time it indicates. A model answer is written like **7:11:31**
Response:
**1:50:06**
